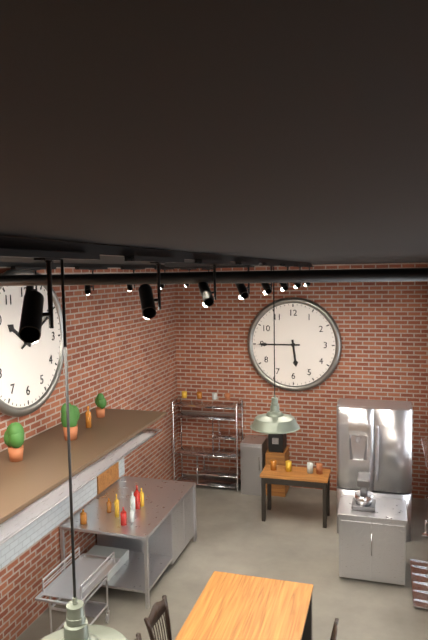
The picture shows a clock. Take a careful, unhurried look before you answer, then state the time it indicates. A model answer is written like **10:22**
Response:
**5:45**
